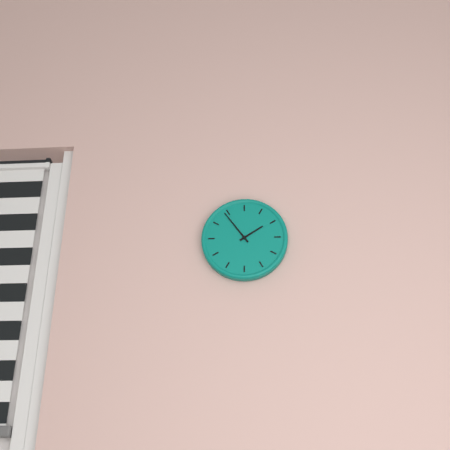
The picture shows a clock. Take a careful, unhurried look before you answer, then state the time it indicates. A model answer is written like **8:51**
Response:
**1:54**
